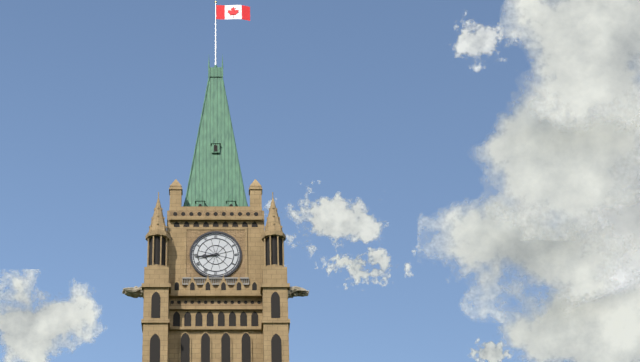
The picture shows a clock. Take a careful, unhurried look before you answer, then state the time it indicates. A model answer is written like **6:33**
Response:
**8:44**
